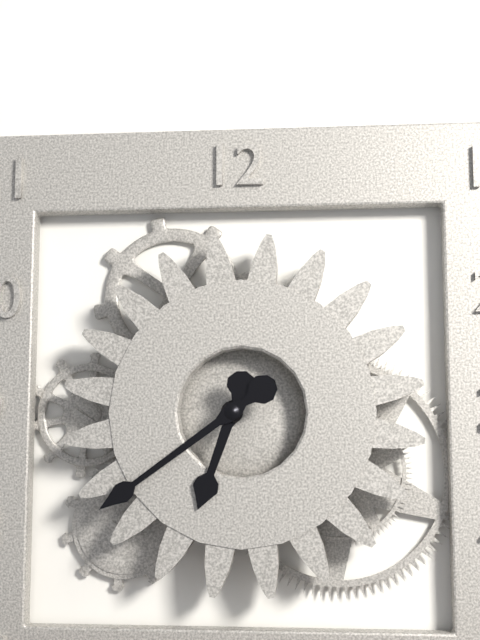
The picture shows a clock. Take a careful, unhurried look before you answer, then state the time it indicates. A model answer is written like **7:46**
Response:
**6:39**
